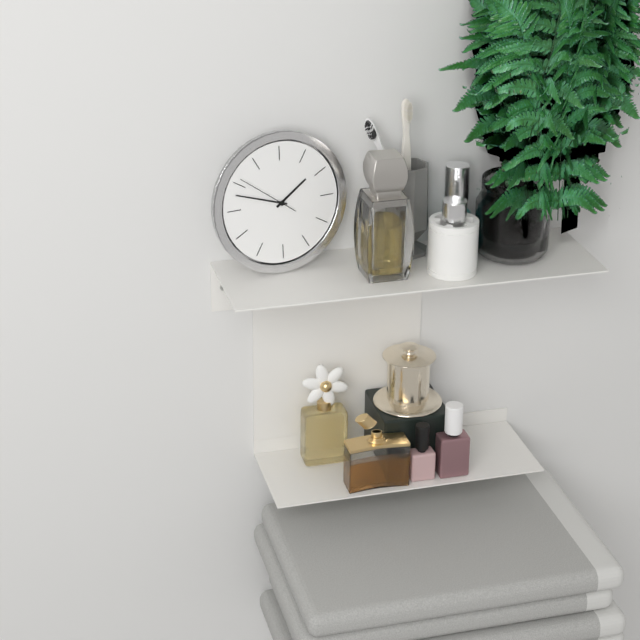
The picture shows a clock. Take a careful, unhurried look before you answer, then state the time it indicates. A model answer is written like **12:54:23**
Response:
**1:48:51**
